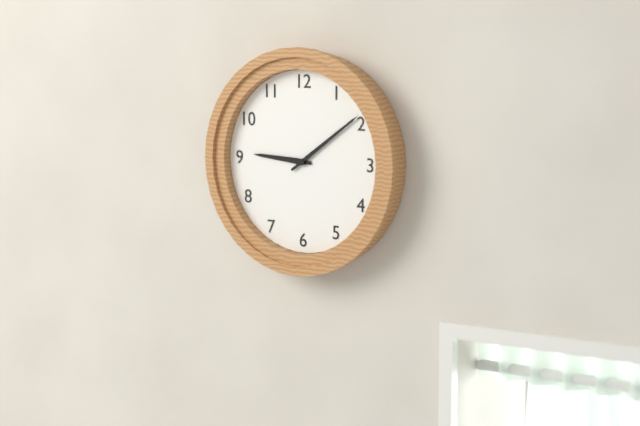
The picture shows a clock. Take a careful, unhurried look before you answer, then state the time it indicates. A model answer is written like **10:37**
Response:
**9:09**
